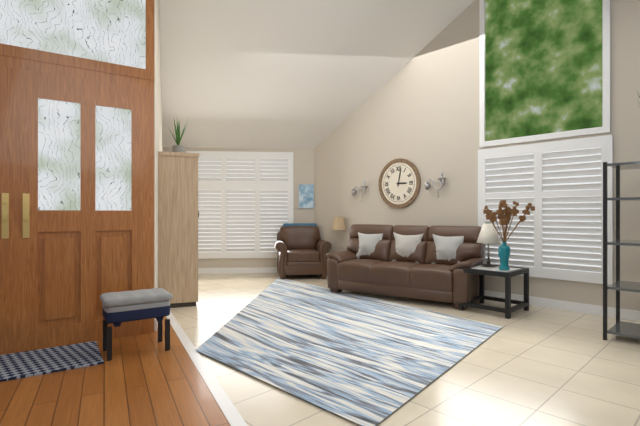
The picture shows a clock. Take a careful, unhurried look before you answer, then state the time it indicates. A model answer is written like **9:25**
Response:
**3:02**
